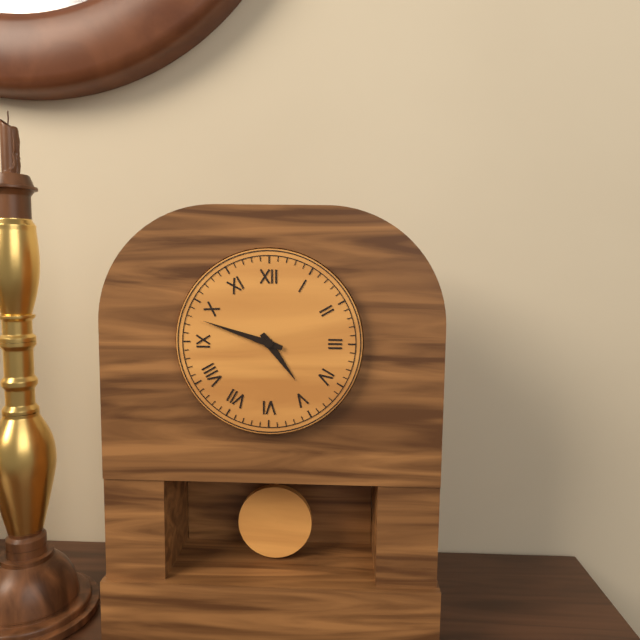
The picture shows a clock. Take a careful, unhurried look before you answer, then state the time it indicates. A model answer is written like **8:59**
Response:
**4:48**
